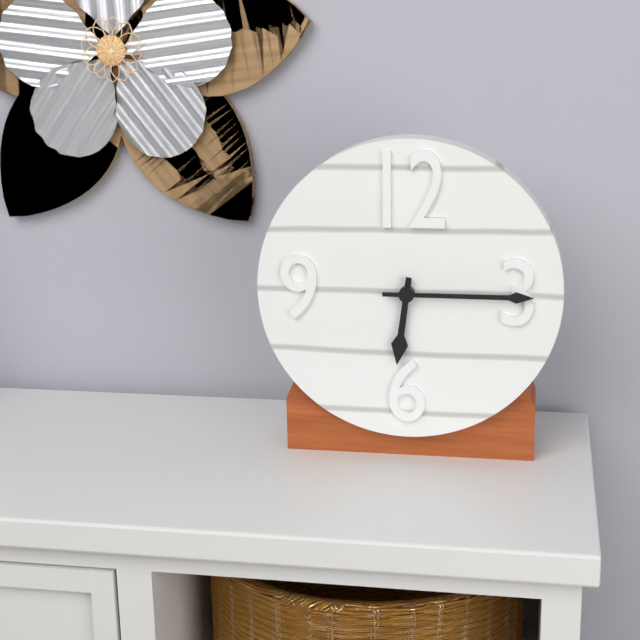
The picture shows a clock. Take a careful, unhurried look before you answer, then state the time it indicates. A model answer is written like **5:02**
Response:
**6:15**
